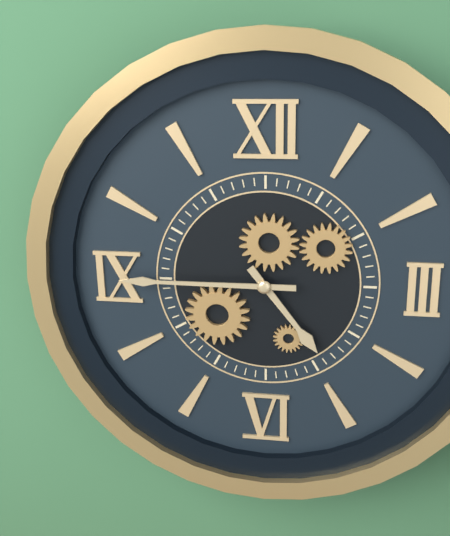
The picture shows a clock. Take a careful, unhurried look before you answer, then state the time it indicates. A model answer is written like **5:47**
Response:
**4:45**
